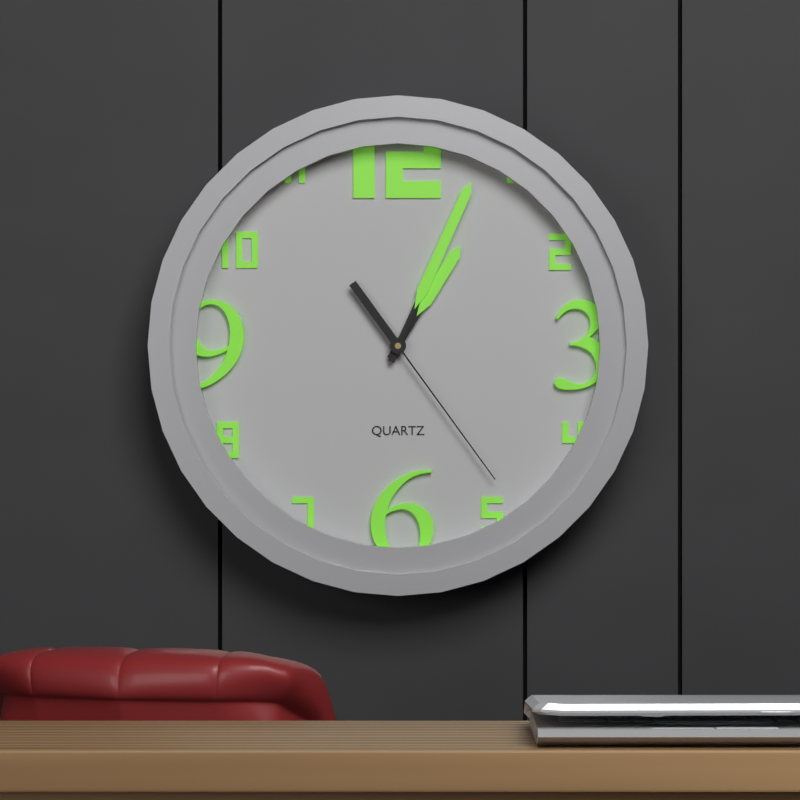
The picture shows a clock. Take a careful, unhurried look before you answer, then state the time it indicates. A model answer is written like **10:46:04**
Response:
**1:04:24**
